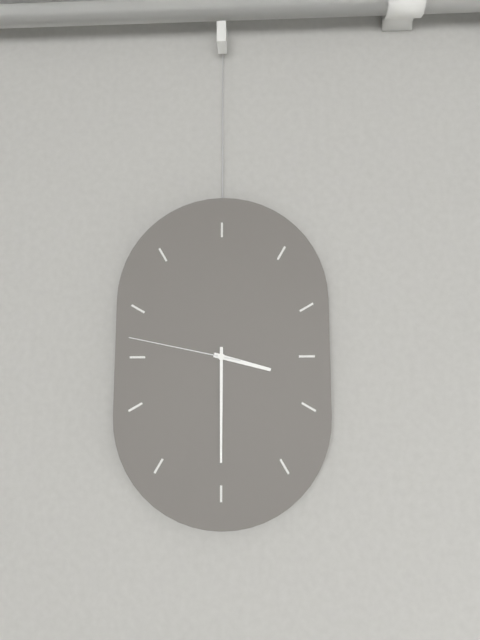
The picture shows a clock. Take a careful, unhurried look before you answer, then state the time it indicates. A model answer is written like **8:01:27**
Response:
**3:30:47**
